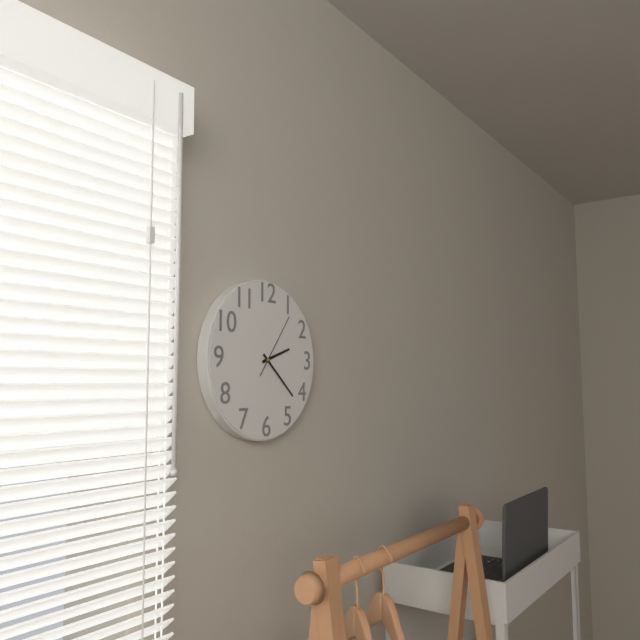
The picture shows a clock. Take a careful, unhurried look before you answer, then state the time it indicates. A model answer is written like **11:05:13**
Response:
**2:22:06**
